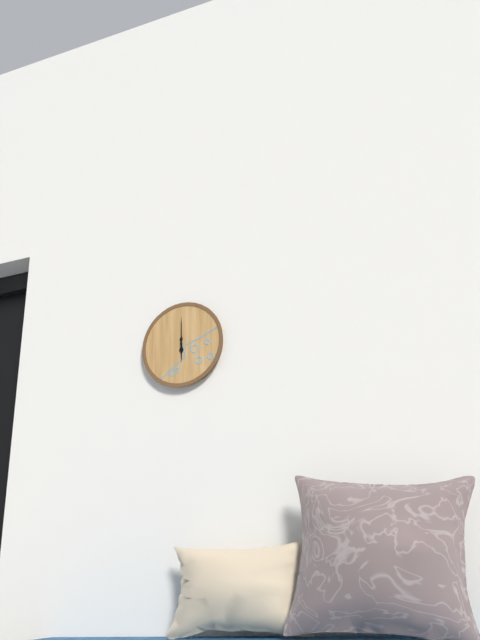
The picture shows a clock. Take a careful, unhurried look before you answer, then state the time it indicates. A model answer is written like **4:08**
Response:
**6:00**
